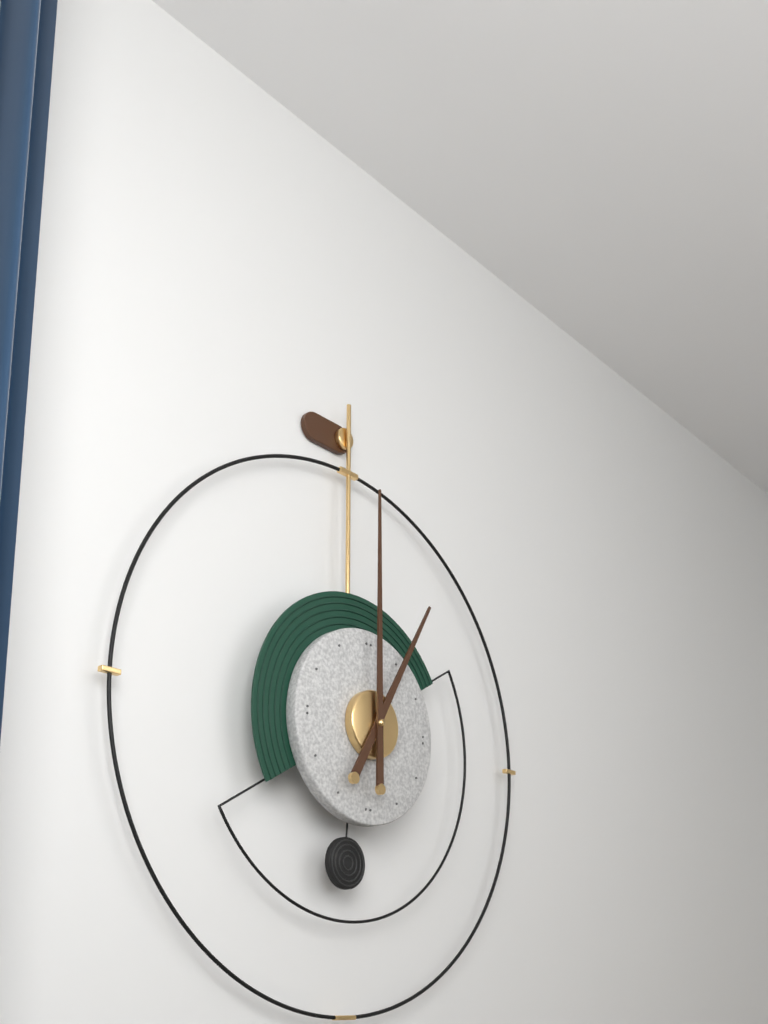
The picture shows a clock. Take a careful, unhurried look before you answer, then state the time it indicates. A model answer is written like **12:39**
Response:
**1:00**
